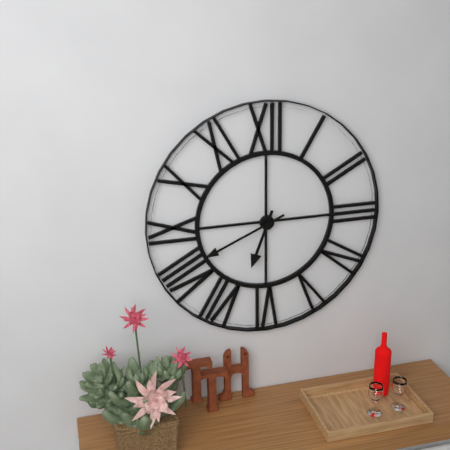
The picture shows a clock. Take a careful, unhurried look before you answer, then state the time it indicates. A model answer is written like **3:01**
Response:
**6:41**
